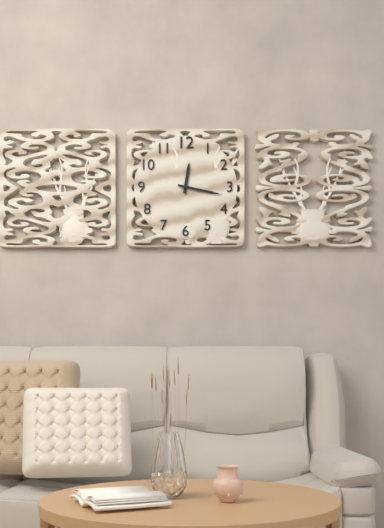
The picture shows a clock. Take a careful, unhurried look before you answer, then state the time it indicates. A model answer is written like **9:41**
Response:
**12:17**
